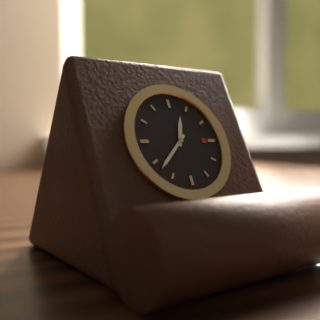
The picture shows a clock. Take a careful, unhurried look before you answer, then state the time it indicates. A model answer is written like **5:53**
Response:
**12:38**
